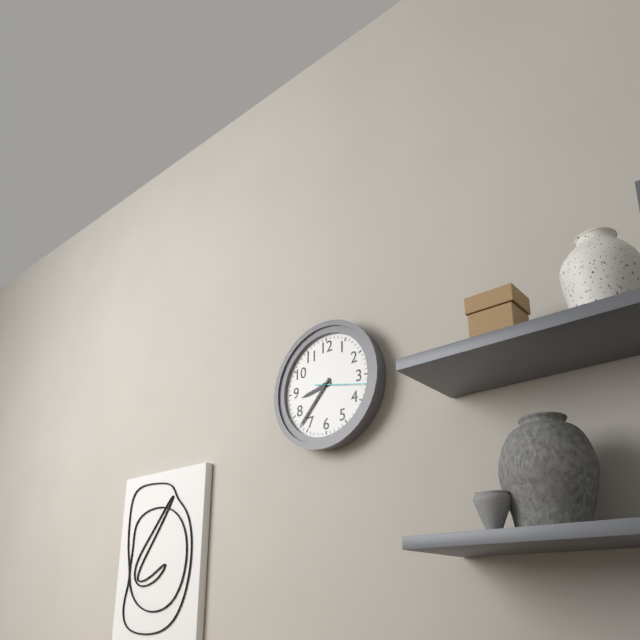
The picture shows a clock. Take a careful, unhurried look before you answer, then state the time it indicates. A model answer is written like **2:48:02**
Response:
**8:37:17**
